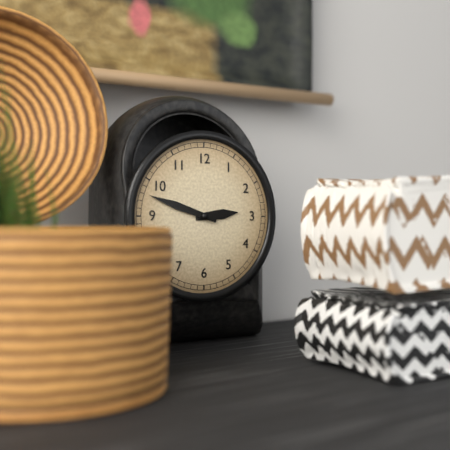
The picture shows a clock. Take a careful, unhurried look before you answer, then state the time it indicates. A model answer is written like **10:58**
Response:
**2:48**
